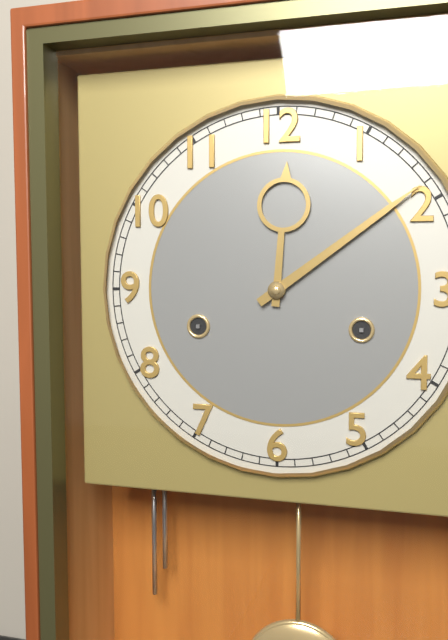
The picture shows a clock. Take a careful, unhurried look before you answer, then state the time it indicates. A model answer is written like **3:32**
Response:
**12:09**
